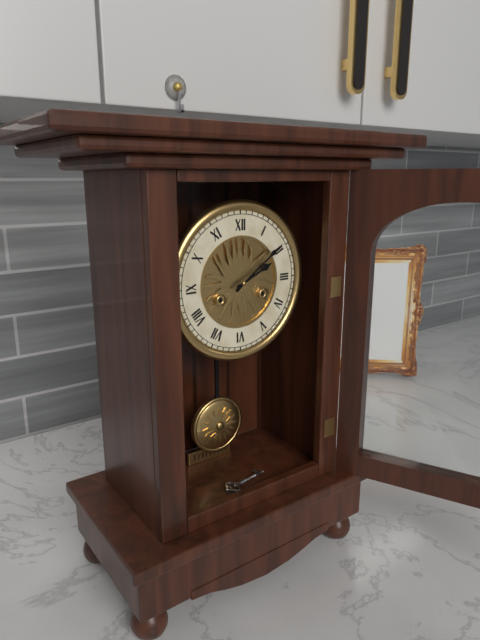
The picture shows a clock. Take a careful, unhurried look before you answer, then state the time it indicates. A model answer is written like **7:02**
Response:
**2:09**
